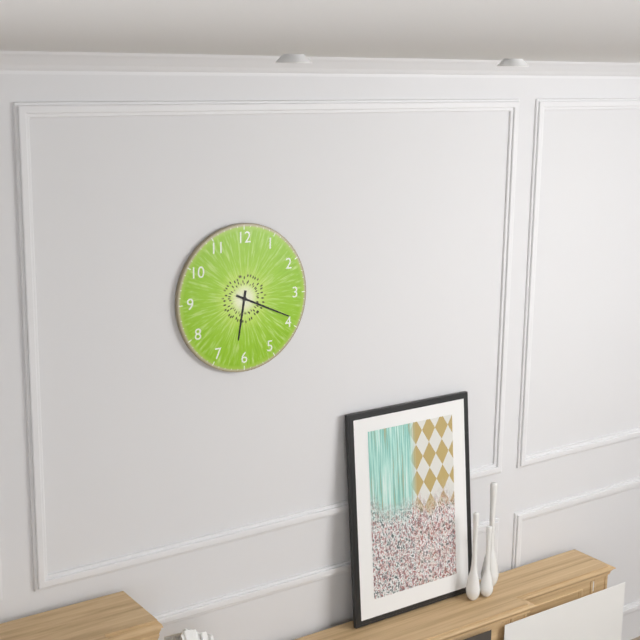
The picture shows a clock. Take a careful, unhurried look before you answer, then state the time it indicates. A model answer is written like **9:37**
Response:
**6:19**
